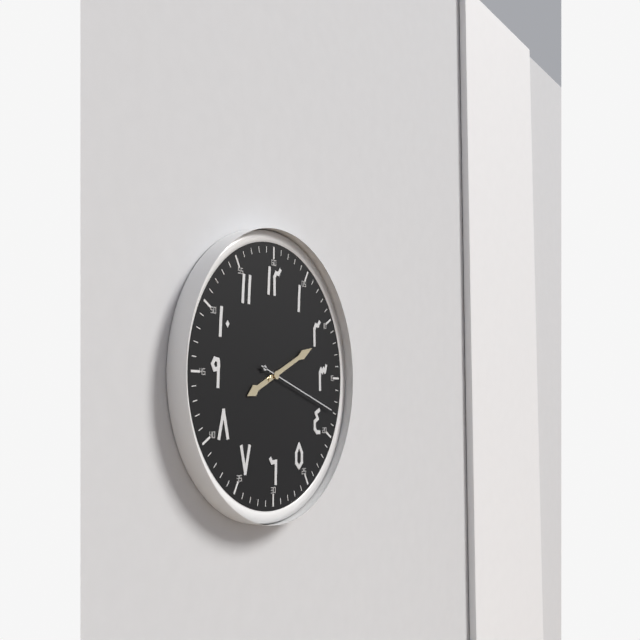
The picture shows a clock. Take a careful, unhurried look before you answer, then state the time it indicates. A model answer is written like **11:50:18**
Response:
**8:11:18**
